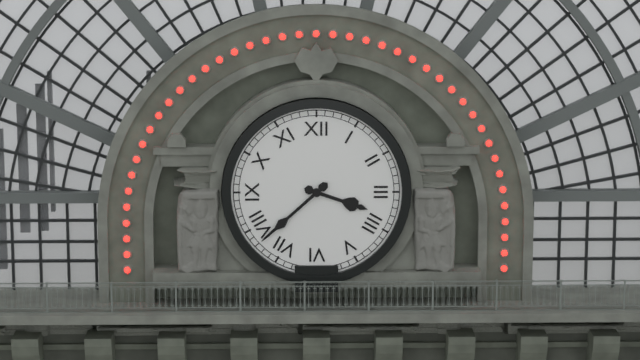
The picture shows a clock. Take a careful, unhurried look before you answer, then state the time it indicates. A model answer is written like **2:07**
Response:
**3:38**
